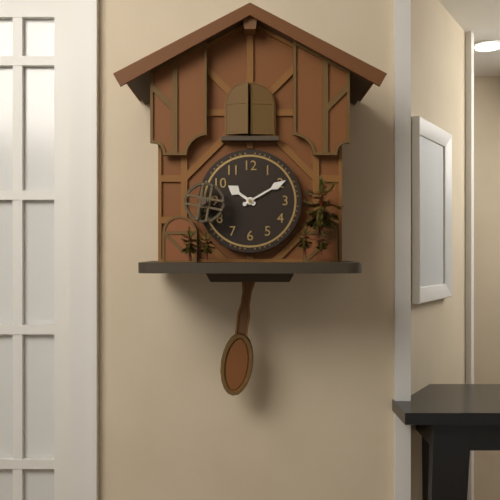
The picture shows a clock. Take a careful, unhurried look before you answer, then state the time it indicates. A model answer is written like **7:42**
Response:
**10:10**
